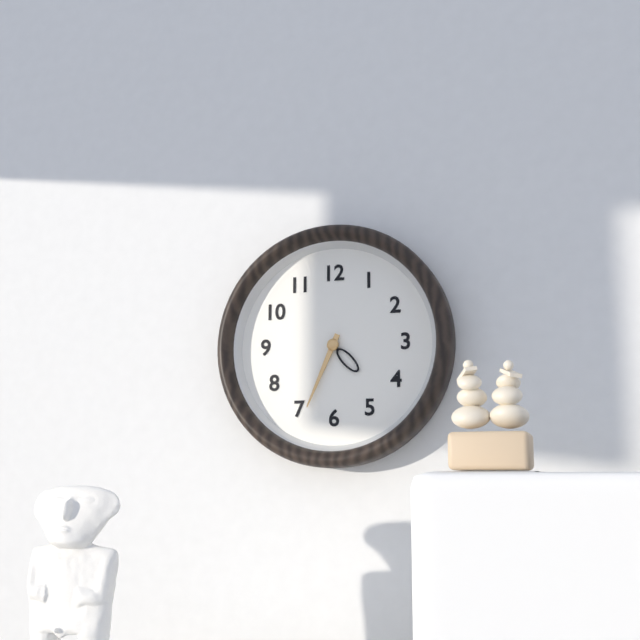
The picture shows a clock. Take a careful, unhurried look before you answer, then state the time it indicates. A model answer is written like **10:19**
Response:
**4:34**
